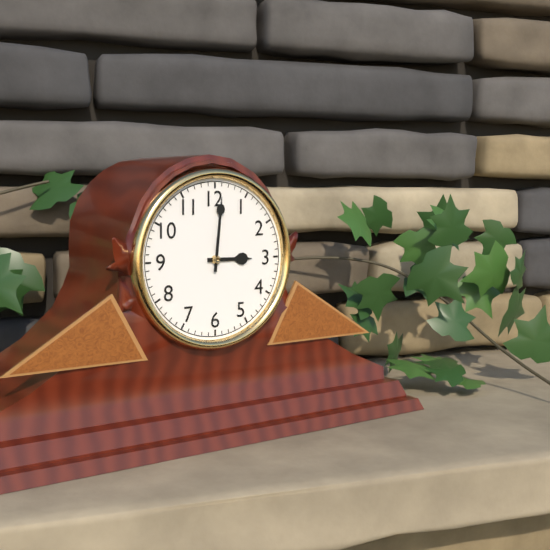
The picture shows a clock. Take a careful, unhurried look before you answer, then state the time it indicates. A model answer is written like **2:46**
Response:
**3:01**
